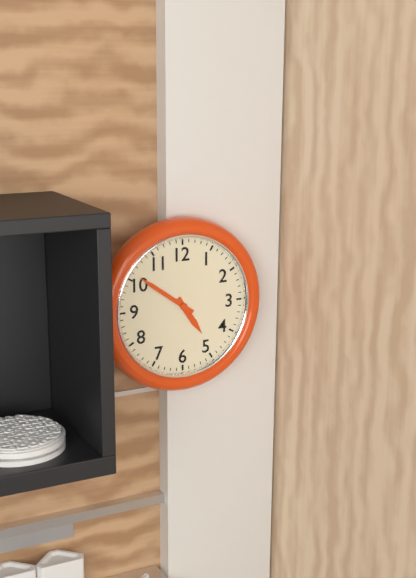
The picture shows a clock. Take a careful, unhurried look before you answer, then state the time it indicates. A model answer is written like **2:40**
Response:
**4:51**
